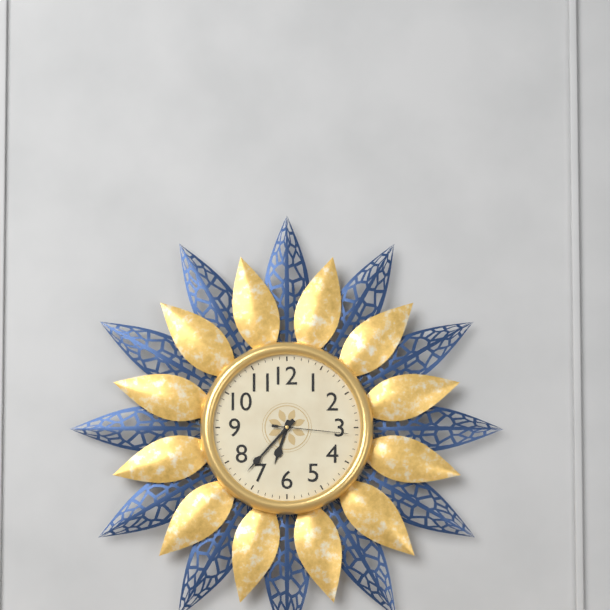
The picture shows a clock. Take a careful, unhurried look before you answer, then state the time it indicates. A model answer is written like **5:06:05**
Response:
**6:37:16**
